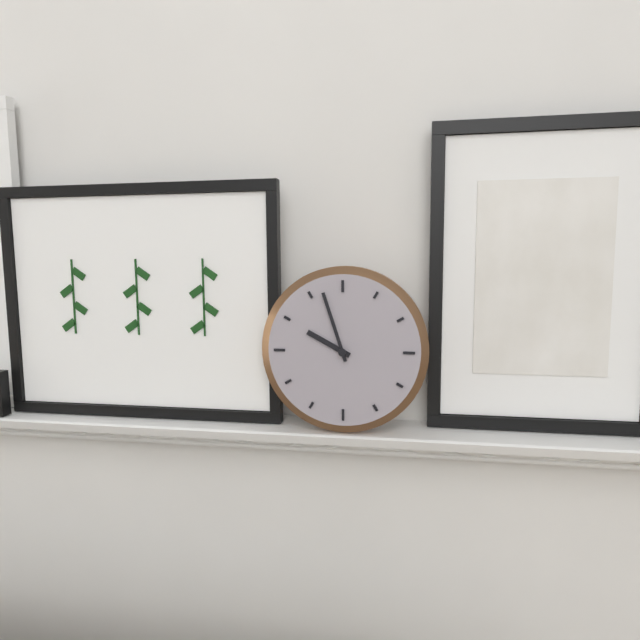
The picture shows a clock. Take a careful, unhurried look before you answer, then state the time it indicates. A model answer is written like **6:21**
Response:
**9:57**
